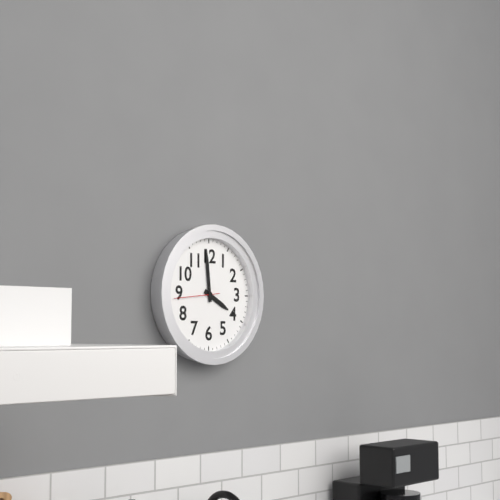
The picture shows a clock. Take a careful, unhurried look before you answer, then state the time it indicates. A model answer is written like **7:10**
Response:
**3:59**
